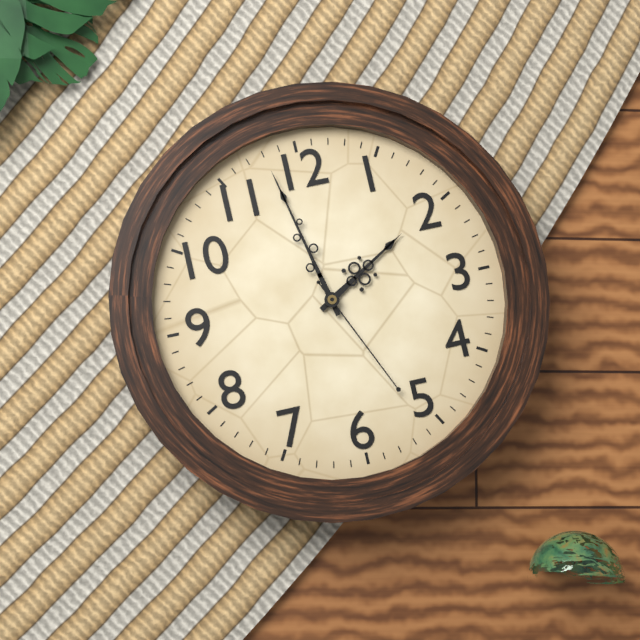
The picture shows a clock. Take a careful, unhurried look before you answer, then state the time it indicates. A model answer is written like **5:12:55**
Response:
**1:58:26**
